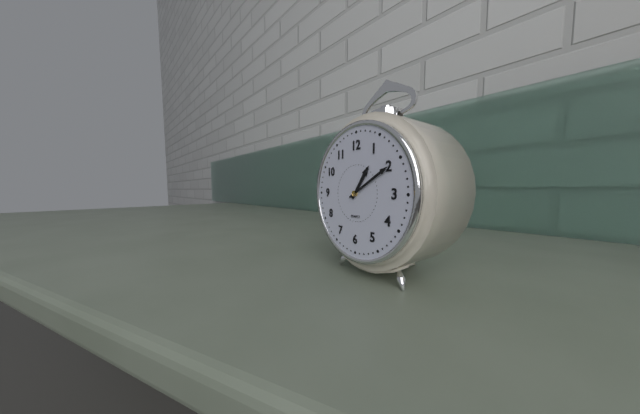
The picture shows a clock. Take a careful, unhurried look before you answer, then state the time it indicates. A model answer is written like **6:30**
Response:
**1:10**
